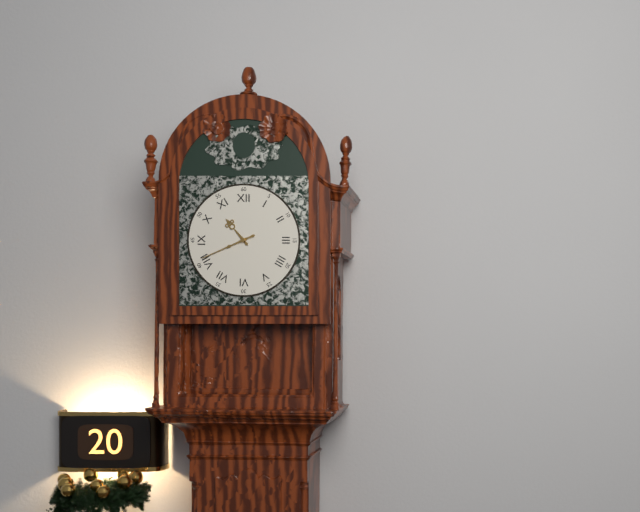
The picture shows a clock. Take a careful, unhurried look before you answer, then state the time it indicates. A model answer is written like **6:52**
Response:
**10:41**
